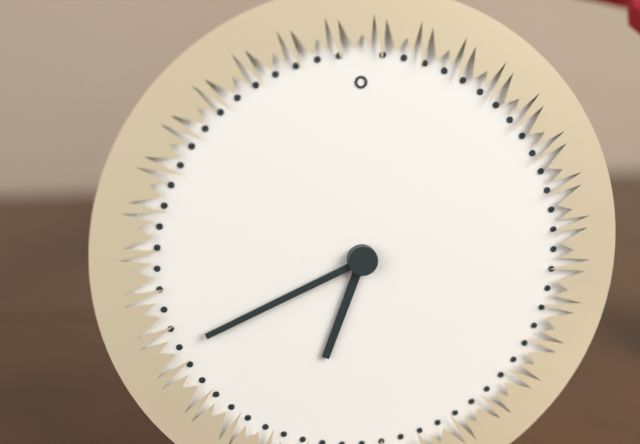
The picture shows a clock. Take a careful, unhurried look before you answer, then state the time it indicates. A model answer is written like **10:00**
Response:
**6:41**
